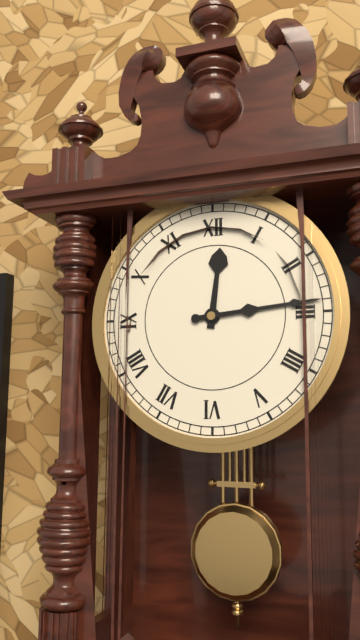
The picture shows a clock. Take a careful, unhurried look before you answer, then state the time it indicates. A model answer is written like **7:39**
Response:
**12:14**
